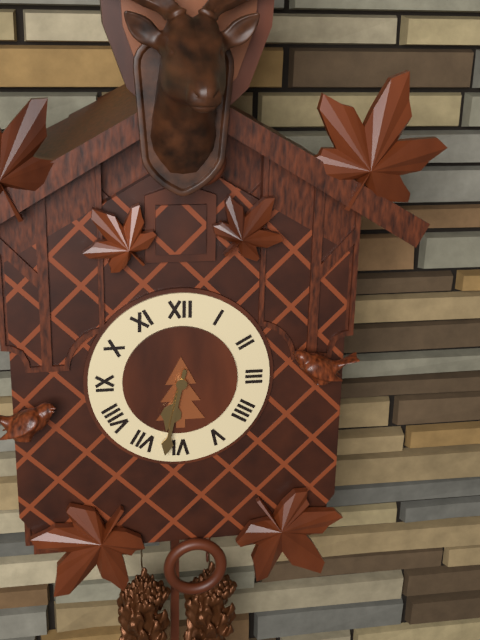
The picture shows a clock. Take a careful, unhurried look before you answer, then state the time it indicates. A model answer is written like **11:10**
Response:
**6:32**
